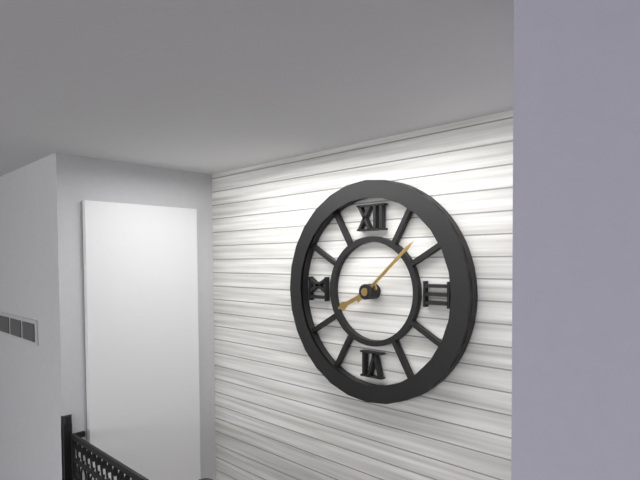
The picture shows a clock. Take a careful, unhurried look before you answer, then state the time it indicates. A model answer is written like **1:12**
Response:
**8:08**
